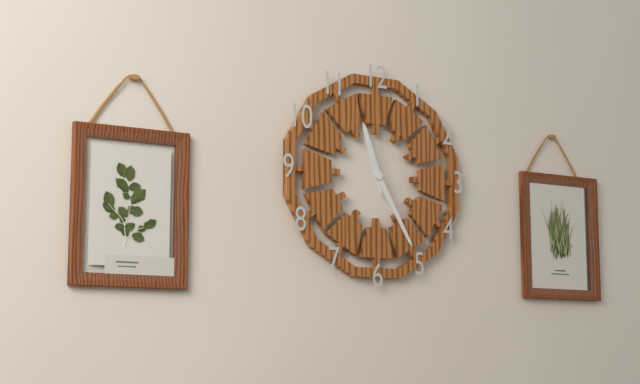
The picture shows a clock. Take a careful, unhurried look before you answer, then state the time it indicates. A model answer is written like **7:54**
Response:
**11:25**
